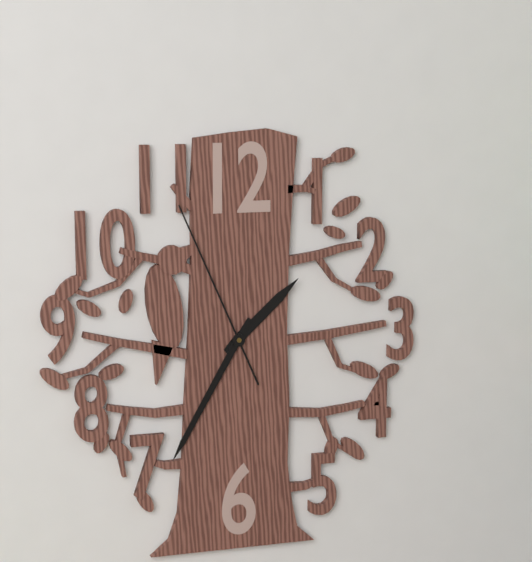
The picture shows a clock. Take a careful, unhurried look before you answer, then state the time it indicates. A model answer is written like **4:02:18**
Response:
**1:35:56**
